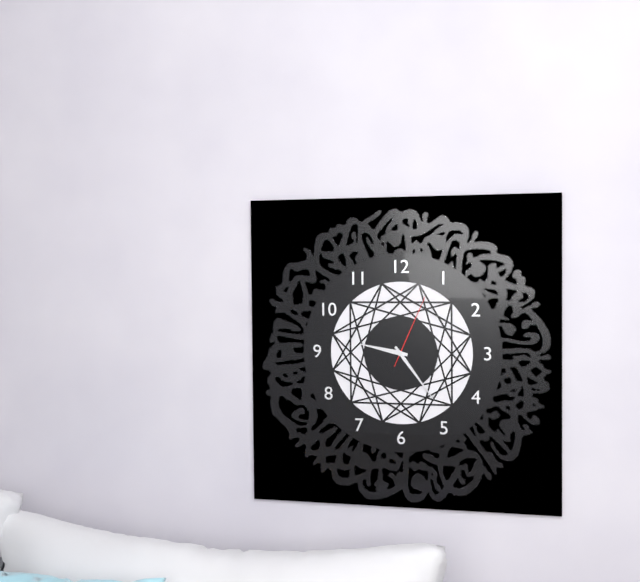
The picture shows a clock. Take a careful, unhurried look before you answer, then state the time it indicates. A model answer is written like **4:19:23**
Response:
**9:24:04**
